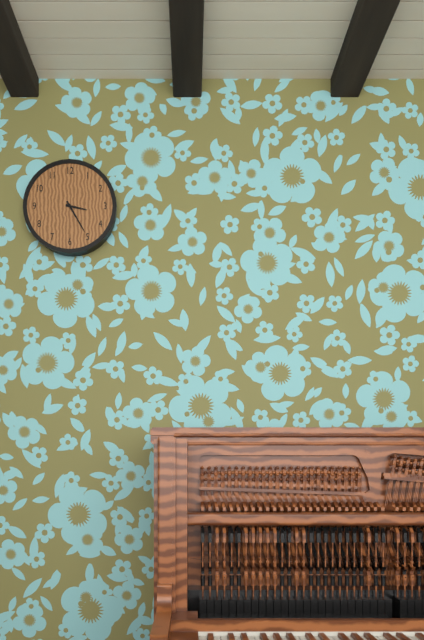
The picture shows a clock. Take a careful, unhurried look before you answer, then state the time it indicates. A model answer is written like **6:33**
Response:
**3:25**
